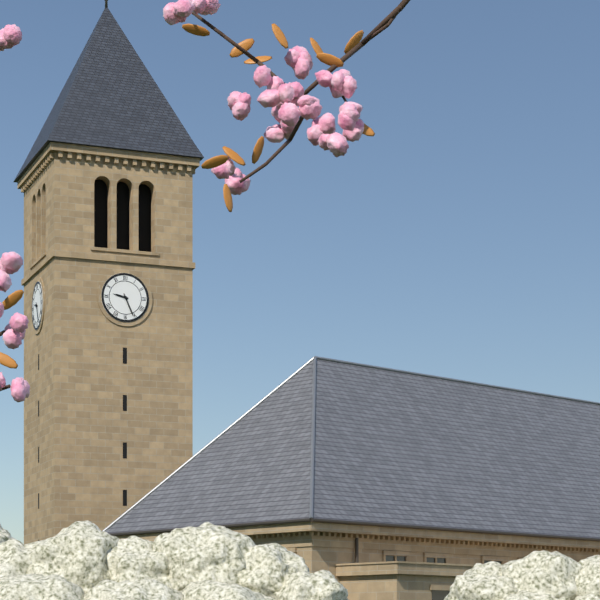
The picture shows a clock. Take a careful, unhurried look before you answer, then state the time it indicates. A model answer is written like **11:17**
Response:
**9:26**
